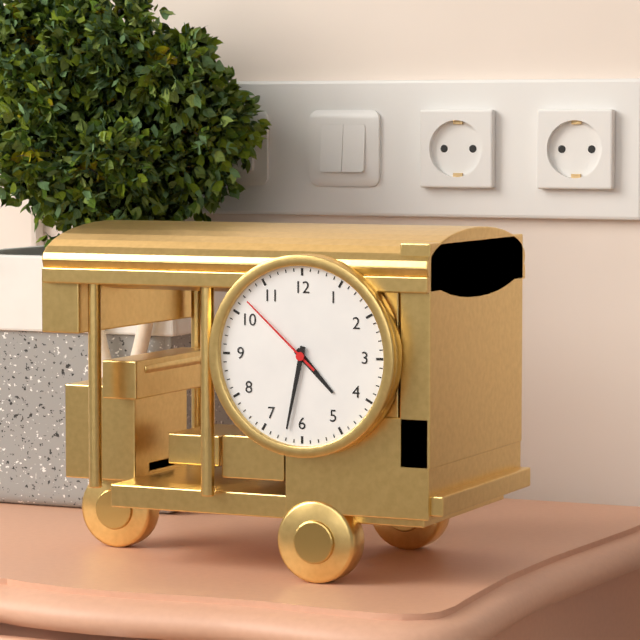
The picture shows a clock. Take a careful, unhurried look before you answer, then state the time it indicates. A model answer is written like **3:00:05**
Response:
**4:32:52**
